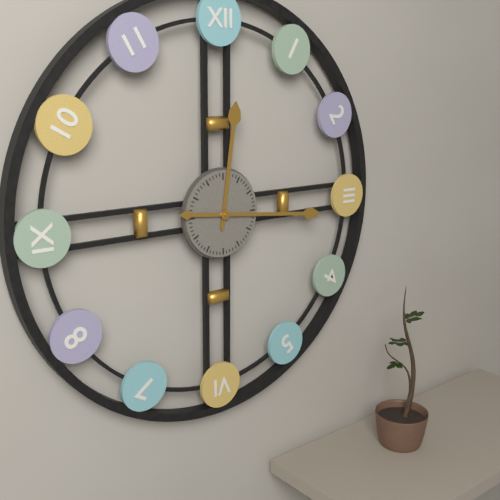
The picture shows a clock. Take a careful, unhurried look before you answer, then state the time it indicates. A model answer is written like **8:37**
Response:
**12:16**
